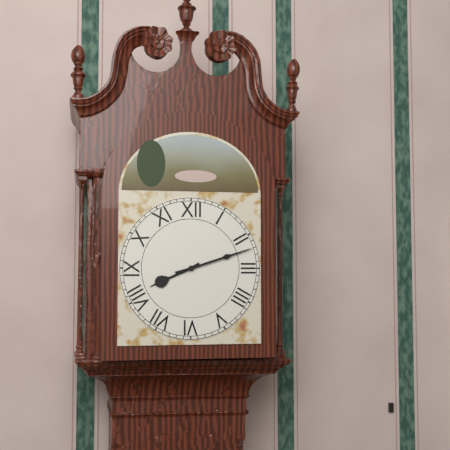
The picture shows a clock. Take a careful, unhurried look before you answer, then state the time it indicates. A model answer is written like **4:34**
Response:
**8:12**
